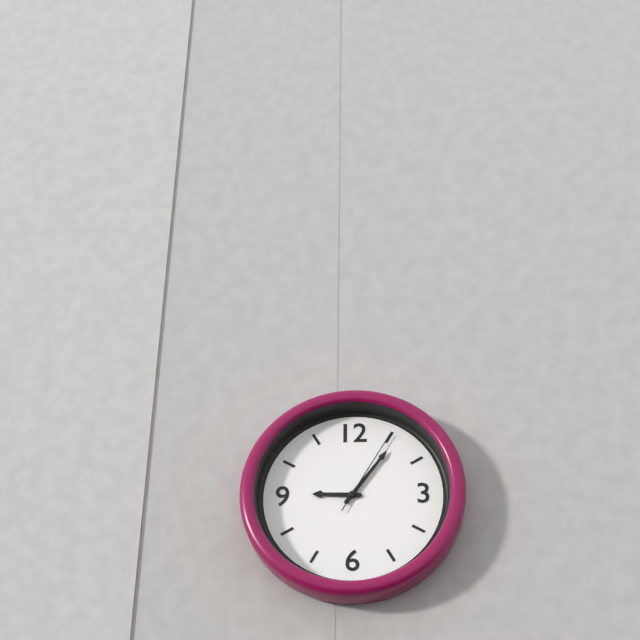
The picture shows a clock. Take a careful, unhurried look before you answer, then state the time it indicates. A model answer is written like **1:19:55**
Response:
**9:06:05**
